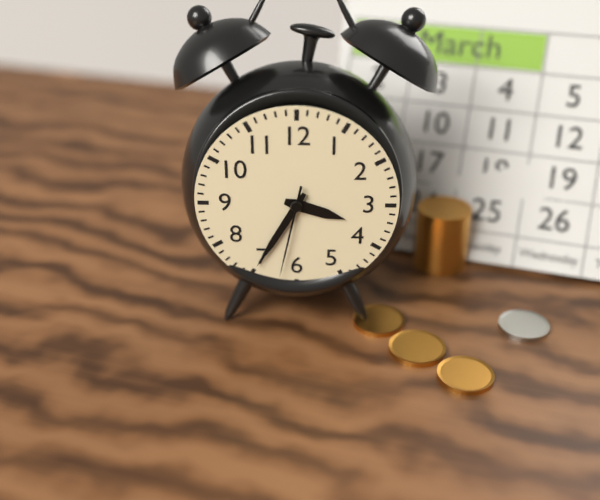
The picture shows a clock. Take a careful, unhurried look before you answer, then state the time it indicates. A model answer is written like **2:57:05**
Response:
**3:35:32**
